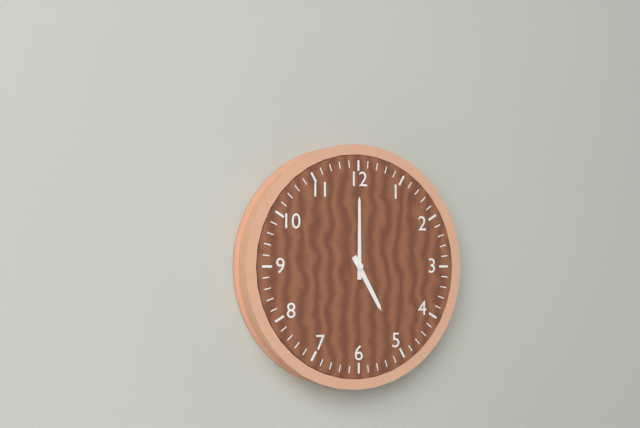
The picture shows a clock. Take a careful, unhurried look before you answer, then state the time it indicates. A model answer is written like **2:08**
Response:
**5:00**
